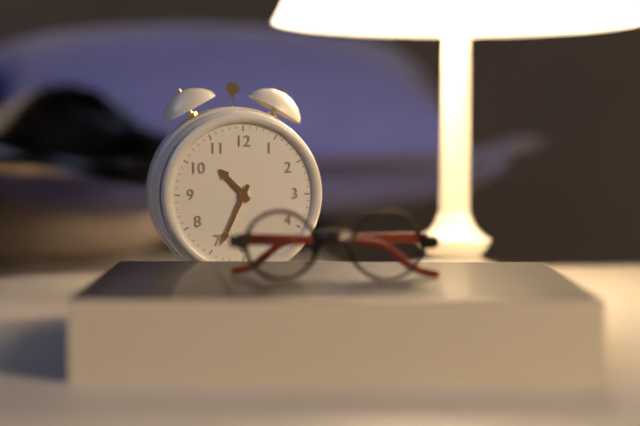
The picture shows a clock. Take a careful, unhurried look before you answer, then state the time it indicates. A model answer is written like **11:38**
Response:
**10:34**
